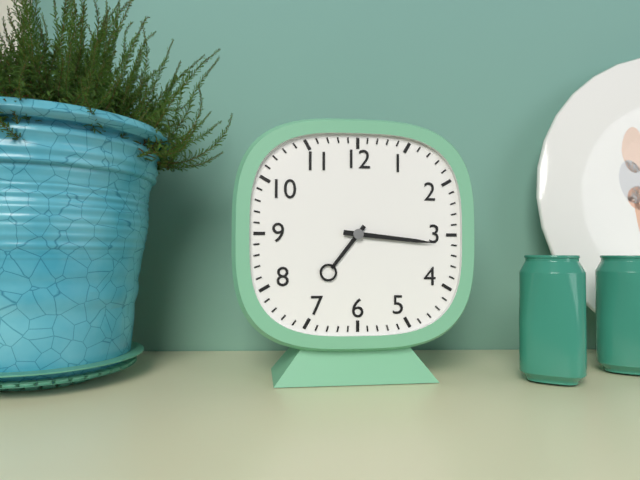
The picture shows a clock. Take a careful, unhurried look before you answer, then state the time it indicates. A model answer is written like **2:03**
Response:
**7:16**
